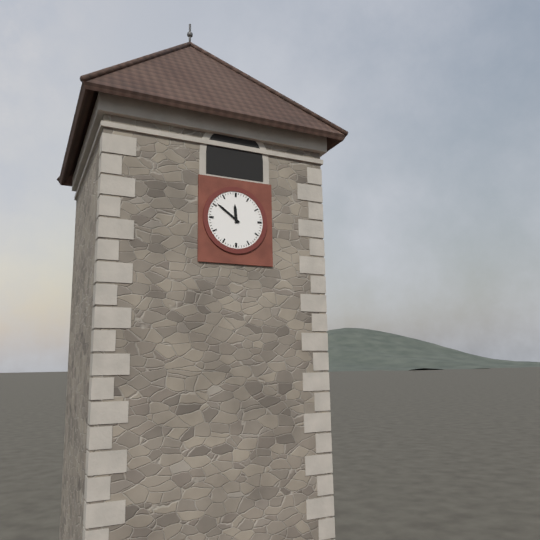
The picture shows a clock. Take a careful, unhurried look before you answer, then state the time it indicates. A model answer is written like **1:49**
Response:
**11:51**
